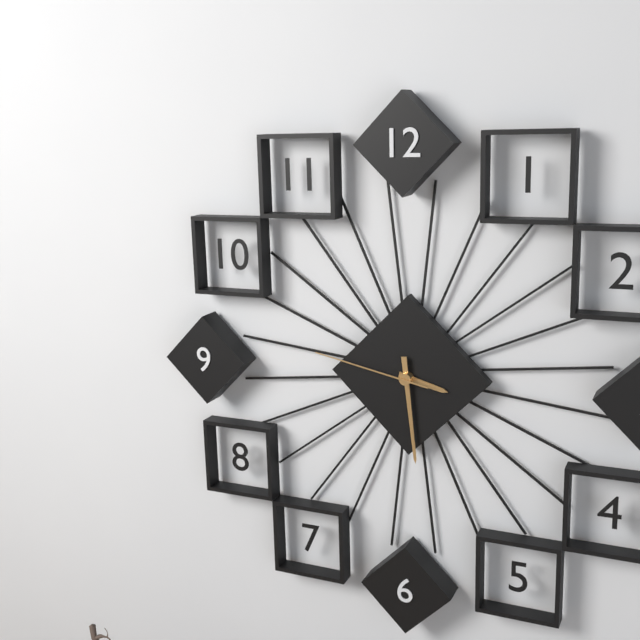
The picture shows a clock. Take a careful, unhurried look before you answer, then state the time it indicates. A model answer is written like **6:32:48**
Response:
**3:29:47**
